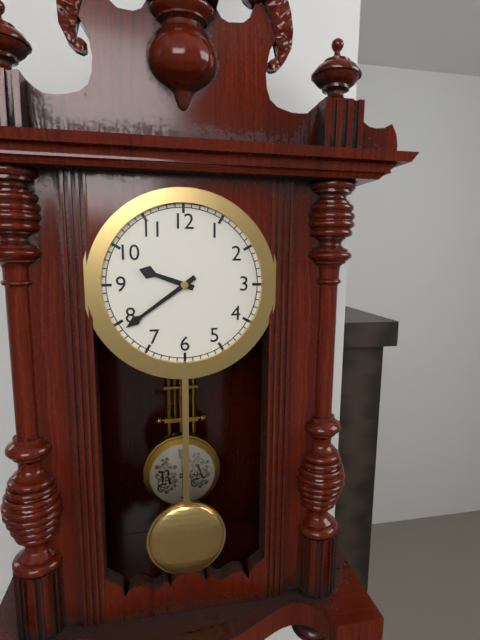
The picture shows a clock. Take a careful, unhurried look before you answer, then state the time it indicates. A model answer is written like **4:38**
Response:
**9:39**
